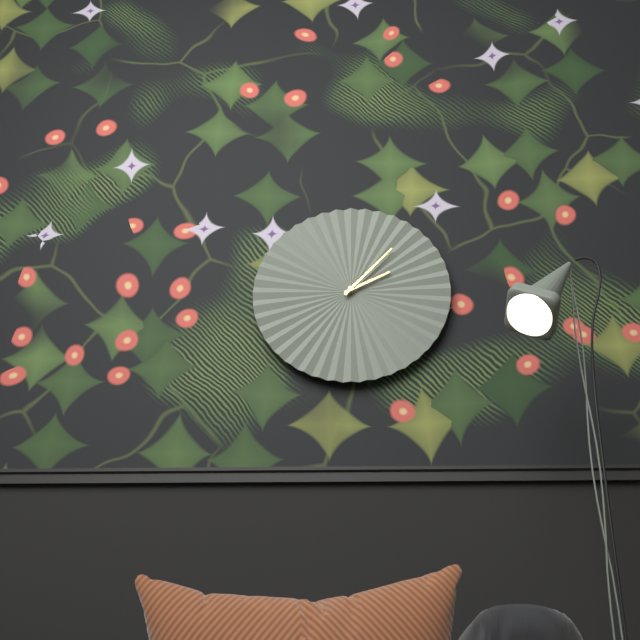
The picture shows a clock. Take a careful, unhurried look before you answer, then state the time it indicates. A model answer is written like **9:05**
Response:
**2:07**
